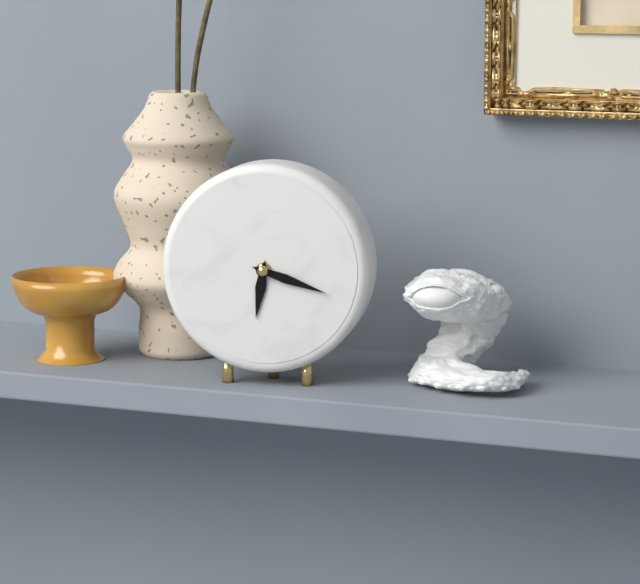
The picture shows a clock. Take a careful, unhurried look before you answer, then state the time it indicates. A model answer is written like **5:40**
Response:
**6:18**
